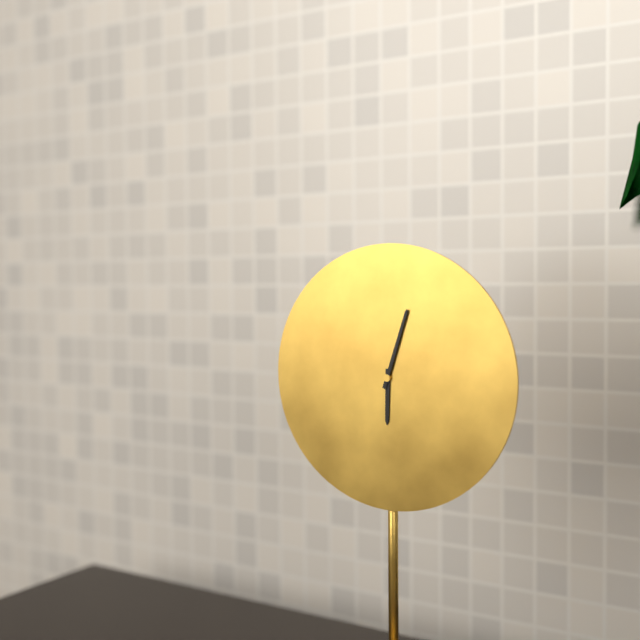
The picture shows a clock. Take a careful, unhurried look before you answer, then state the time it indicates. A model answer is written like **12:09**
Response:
**6:03**
